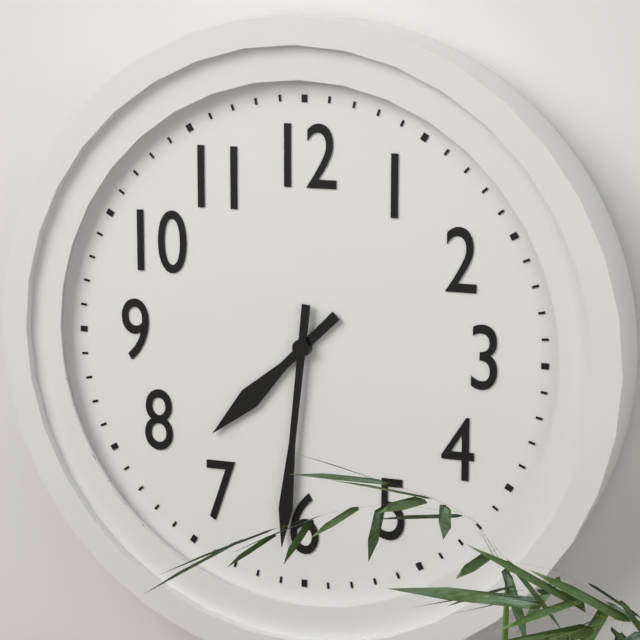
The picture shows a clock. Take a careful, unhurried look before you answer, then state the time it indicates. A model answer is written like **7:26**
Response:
**7:31**
